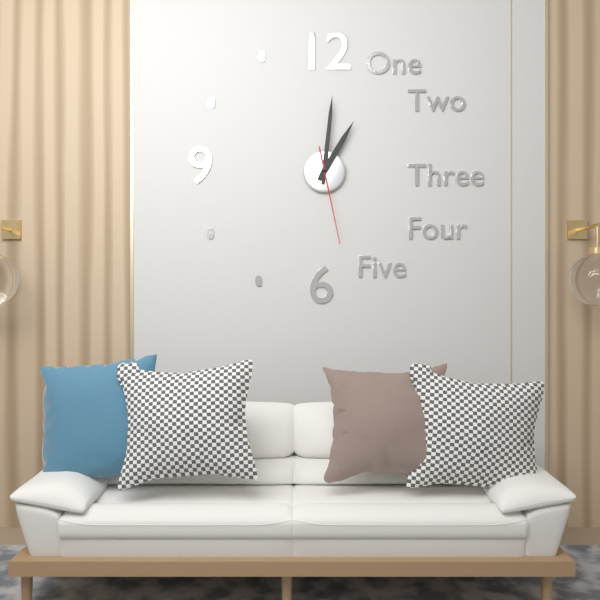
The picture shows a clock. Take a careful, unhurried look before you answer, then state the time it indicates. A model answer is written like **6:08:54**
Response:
**1:01:28**
